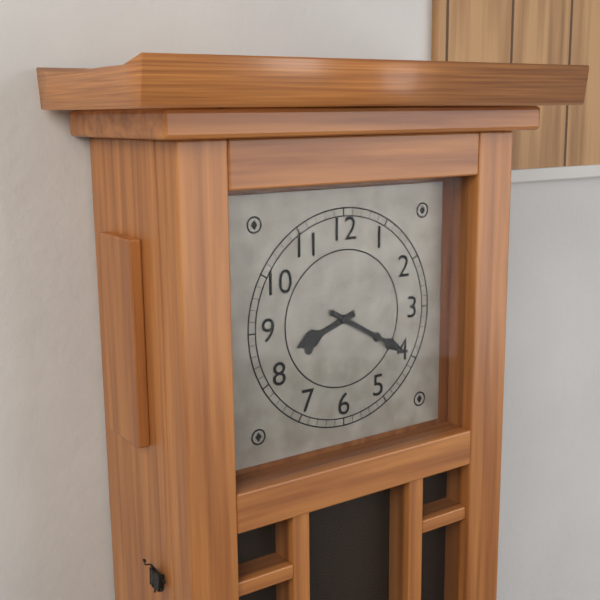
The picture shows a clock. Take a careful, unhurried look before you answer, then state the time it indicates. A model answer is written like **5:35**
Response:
**8:20**
